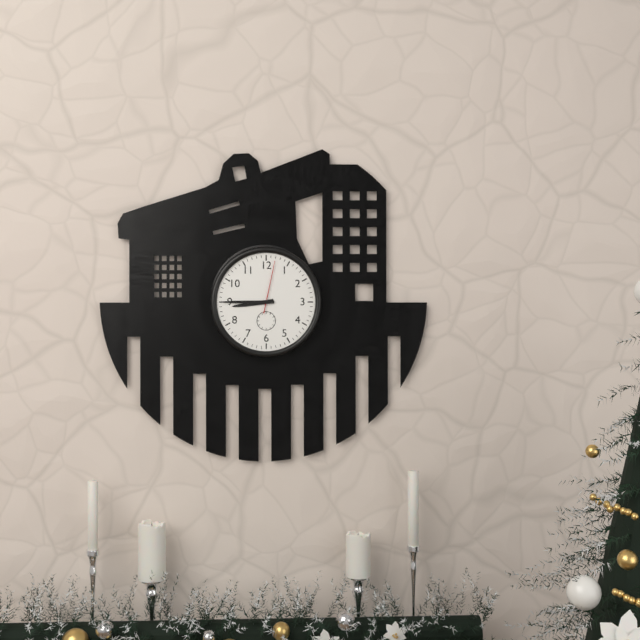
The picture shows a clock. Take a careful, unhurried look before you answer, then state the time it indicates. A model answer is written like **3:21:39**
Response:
**8:45:02**
